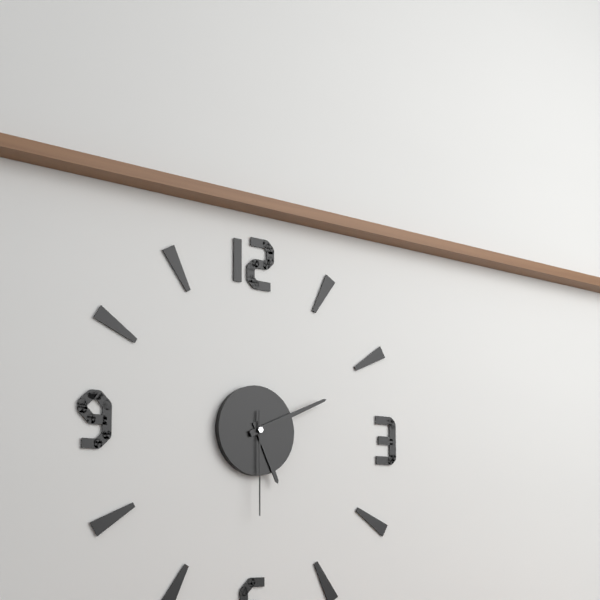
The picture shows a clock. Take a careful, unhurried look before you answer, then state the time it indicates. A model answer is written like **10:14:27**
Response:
**5:11:30**
